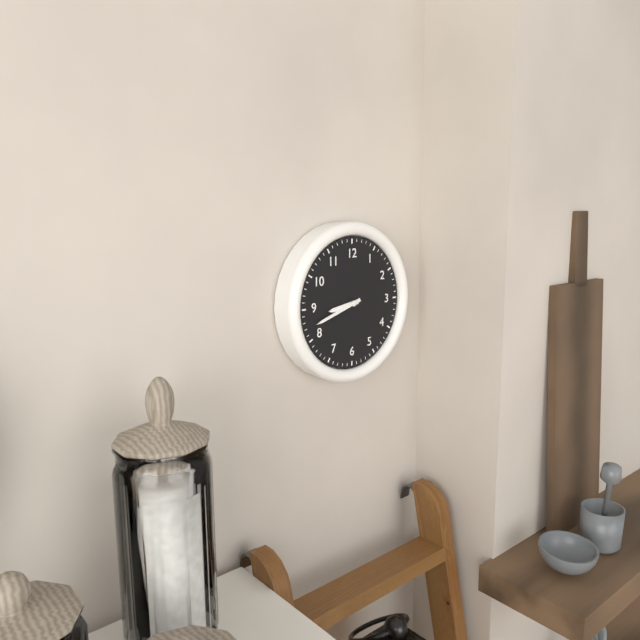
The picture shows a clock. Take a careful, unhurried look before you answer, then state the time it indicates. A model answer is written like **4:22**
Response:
**8:42**
